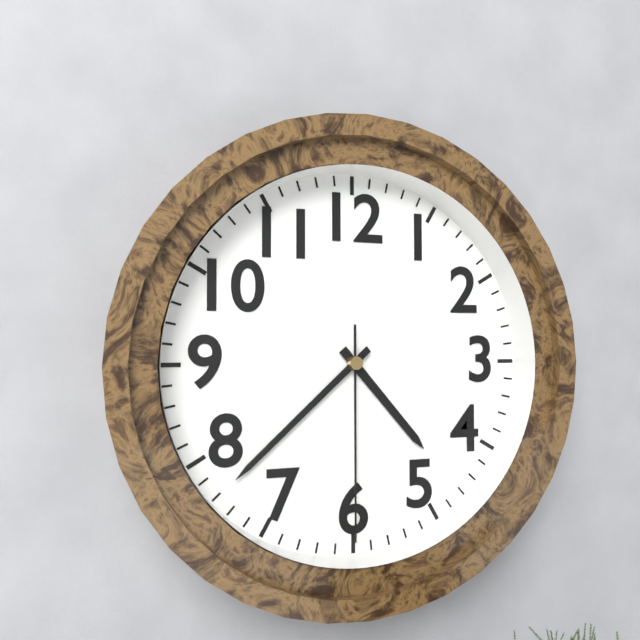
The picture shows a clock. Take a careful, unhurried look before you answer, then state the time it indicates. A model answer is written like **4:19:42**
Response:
**4:38:30**
